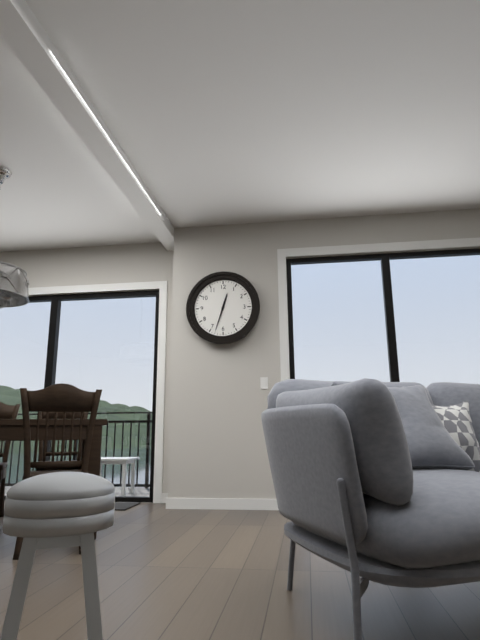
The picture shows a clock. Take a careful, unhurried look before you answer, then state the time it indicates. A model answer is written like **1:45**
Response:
**12:33**
